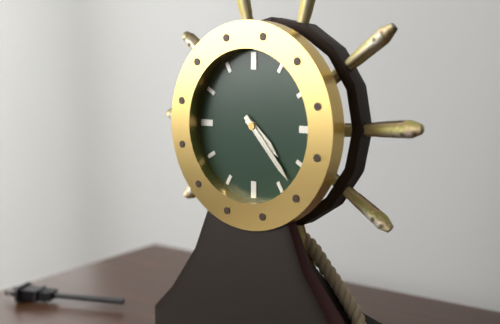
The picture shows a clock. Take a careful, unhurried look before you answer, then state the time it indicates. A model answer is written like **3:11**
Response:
**4:23**
